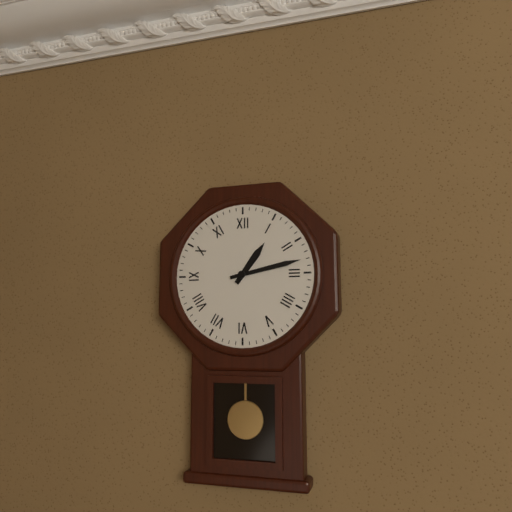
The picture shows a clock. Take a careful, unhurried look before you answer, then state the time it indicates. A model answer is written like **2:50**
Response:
**1:13**
